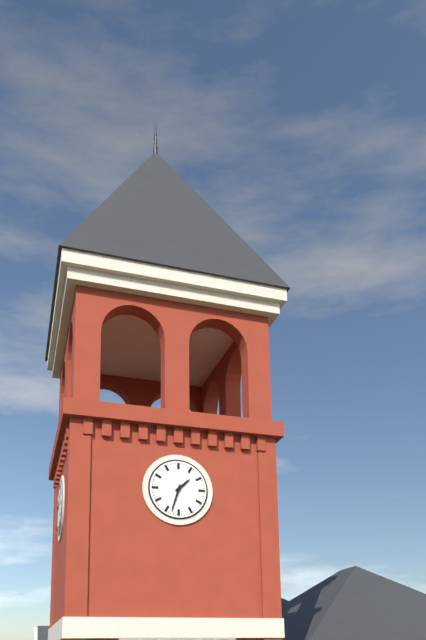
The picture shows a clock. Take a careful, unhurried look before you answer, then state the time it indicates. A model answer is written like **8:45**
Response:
**1:33**
